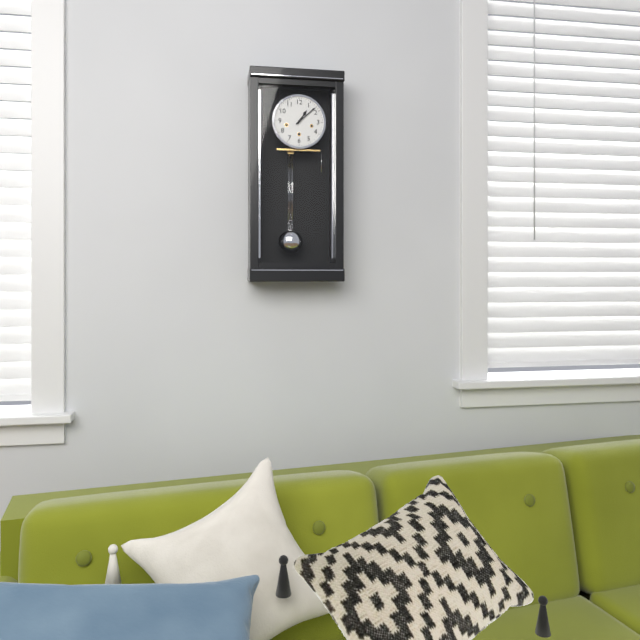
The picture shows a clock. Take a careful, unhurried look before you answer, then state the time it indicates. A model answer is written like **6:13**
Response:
**1:08**
